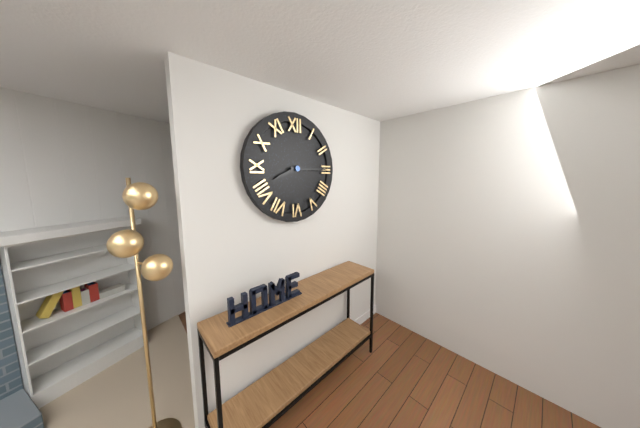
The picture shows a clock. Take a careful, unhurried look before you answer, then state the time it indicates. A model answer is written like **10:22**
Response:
**8:15**
